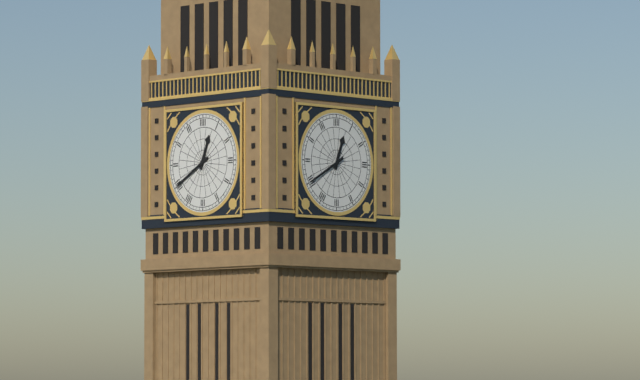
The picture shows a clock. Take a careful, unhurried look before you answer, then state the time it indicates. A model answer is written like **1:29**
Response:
**12:40**
